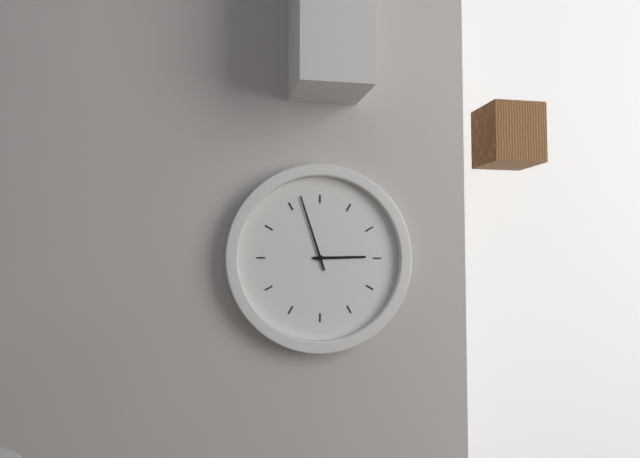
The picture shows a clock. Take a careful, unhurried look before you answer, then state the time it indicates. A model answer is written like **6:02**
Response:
**2:57**
